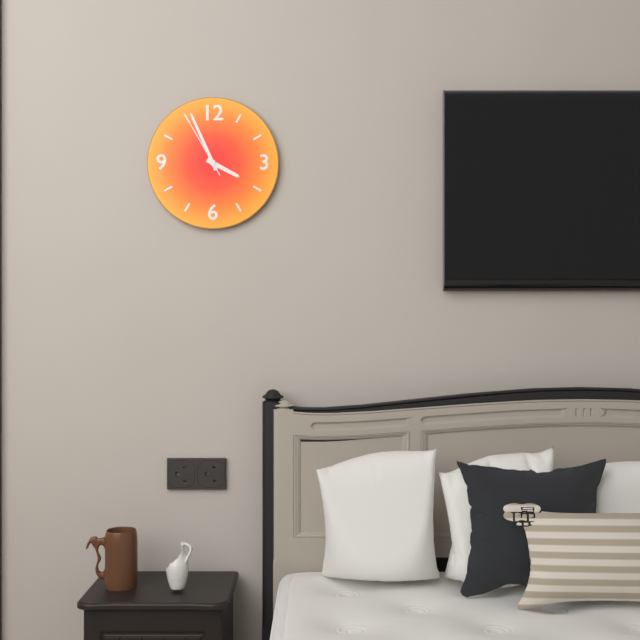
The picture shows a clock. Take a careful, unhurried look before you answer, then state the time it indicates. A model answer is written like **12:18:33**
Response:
**3:56:55**
